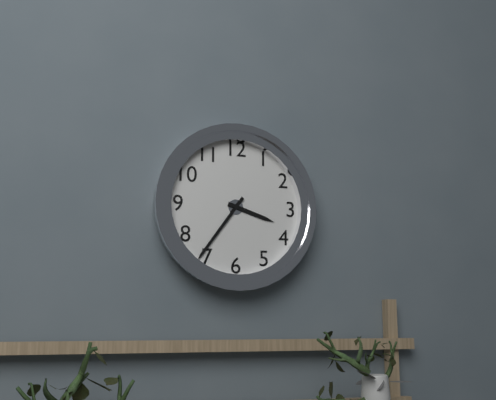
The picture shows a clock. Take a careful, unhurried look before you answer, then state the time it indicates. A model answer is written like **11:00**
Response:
**3:36**
